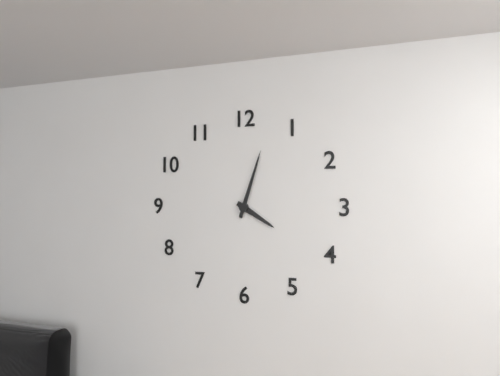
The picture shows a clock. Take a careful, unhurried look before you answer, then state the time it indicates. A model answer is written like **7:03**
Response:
**4:03**
